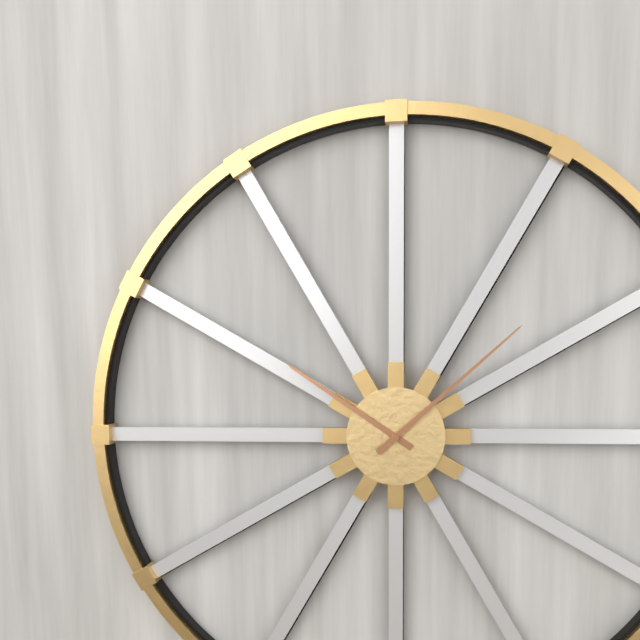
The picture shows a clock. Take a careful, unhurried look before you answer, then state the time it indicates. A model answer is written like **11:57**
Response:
**10:08**
